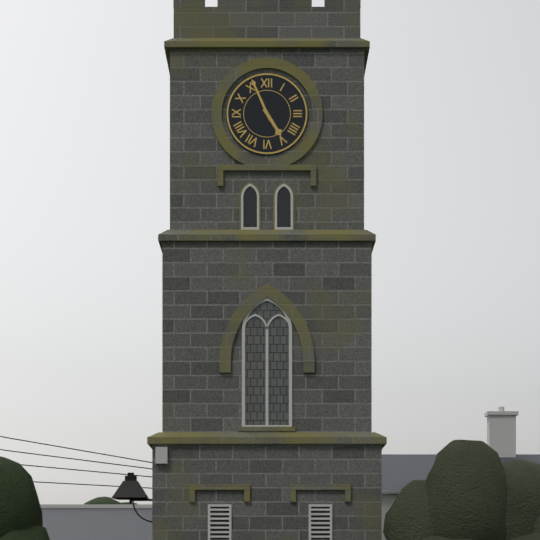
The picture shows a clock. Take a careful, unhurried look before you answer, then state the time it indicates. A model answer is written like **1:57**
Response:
**4:56**
